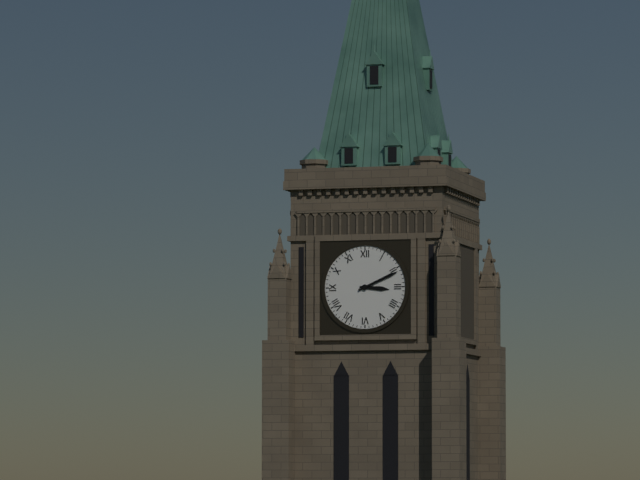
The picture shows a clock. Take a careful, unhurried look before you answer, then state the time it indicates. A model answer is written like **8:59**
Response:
**3:11**
